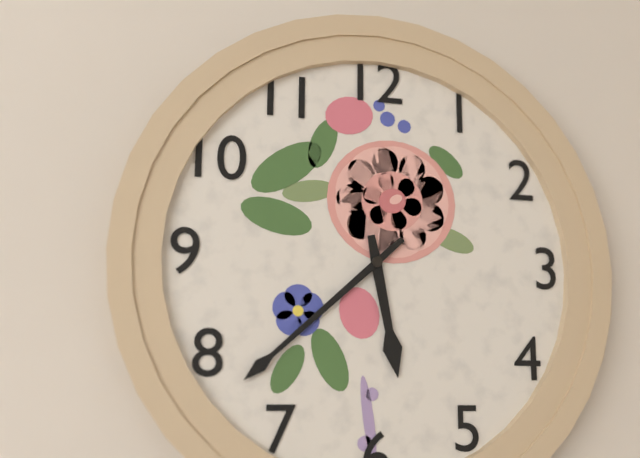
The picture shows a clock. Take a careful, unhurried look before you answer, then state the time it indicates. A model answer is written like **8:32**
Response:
**5:38**
